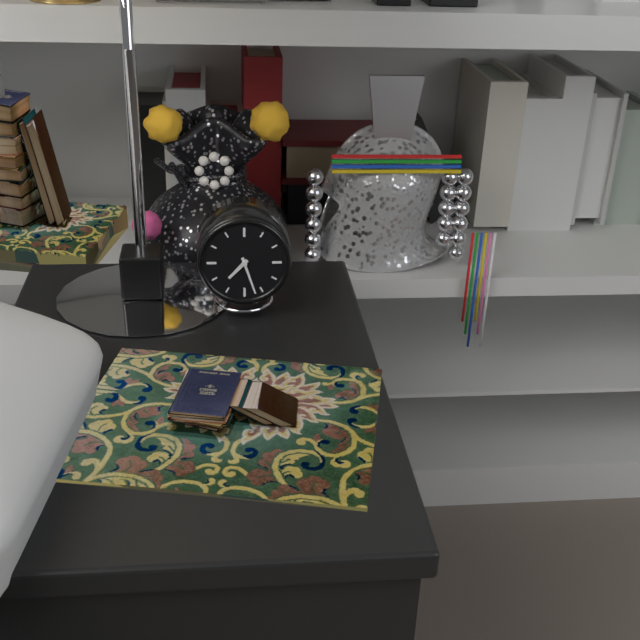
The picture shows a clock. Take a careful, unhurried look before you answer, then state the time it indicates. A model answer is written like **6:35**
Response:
**7:27**
